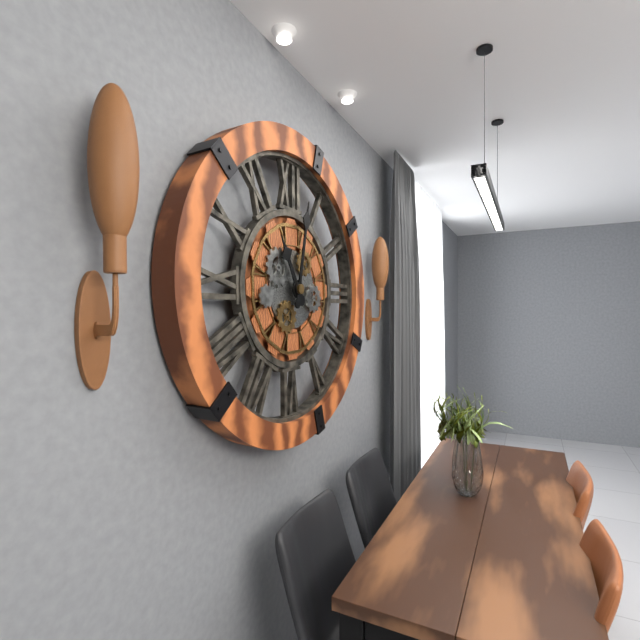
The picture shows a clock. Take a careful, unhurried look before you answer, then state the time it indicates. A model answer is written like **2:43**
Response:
**11:02**
